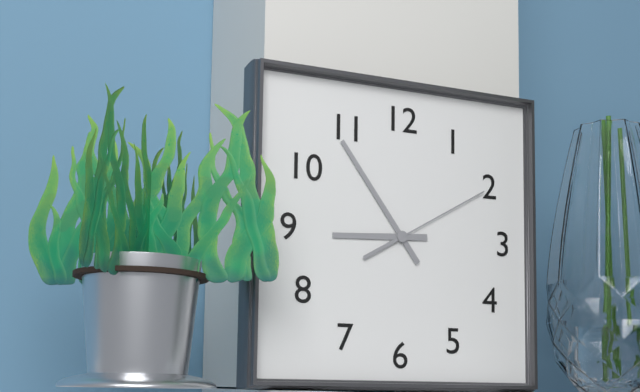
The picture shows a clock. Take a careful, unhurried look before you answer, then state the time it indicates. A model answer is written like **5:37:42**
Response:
**8:54:10**
